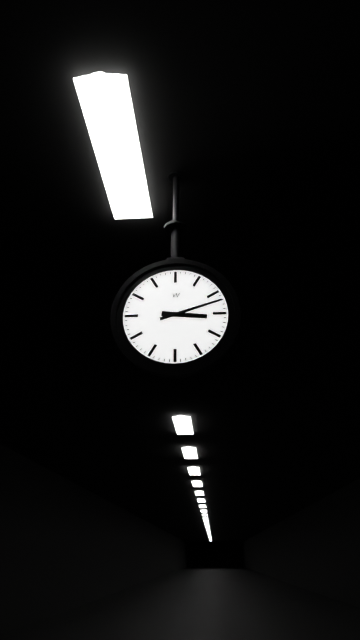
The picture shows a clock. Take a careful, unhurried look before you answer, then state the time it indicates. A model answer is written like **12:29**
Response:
**3:12**
